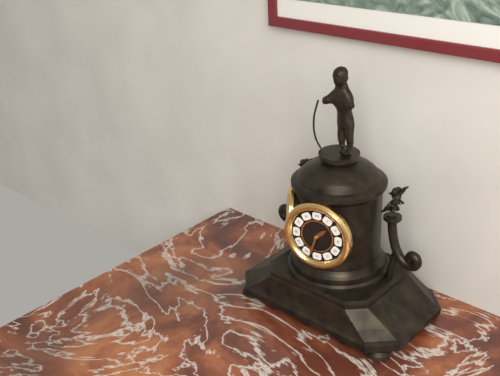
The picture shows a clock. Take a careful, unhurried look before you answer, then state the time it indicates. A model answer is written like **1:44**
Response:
**1:33**
